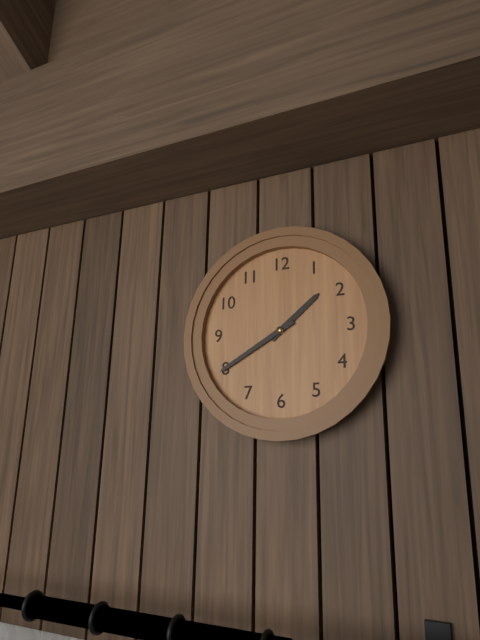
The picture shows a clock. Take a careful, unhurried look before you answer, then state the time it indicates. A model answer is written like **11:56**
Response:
**1:40**
